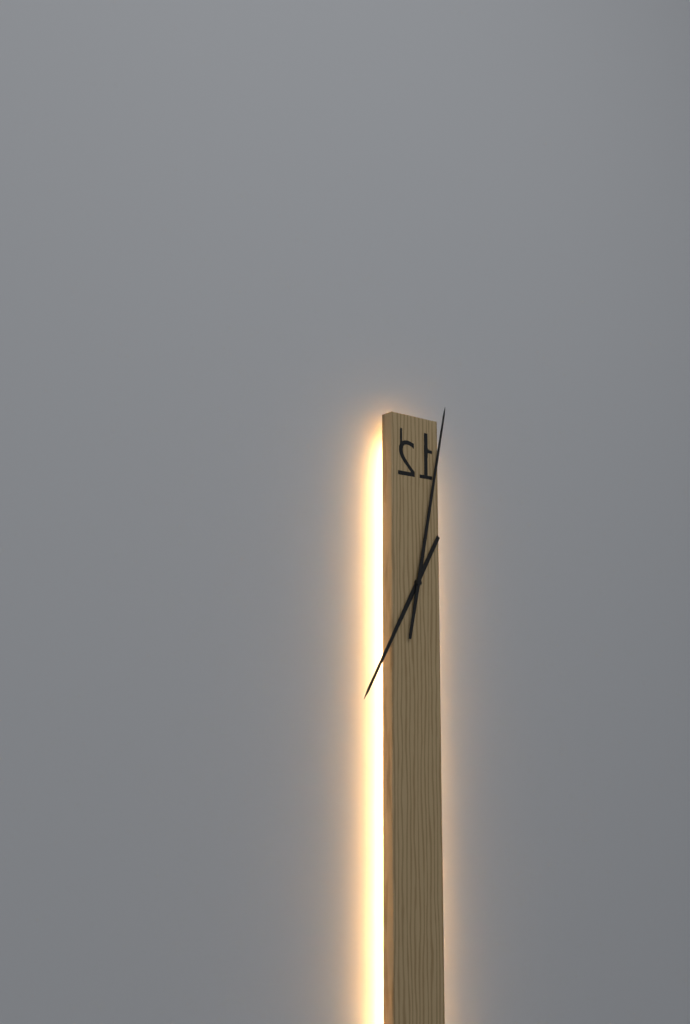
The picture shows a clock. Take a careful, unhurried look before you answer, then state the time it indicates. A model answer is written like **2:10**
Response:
**7:02**
